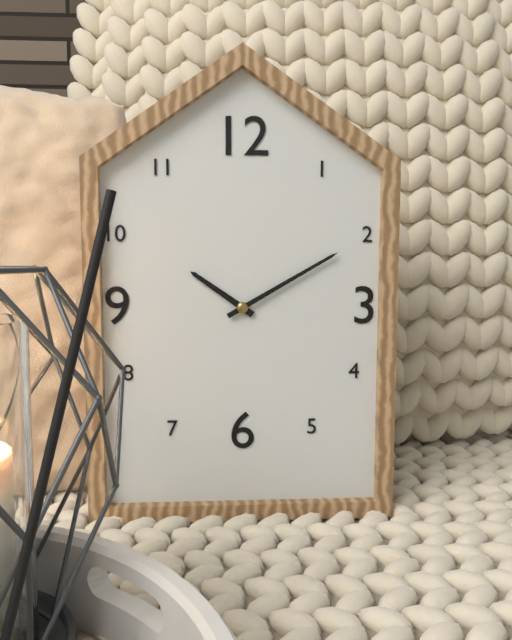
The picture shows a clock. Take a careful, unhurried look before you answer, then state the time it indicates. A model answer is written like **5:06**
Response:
**10:10**
